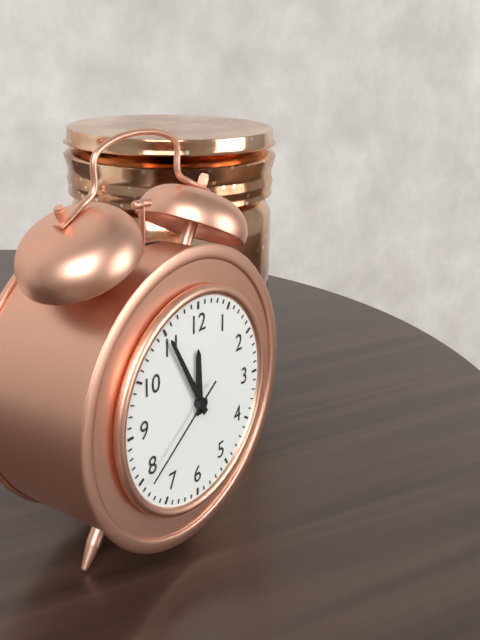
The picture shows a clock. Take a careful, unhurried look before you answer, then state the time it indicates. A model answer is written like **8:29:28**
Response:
**11:55:39**
